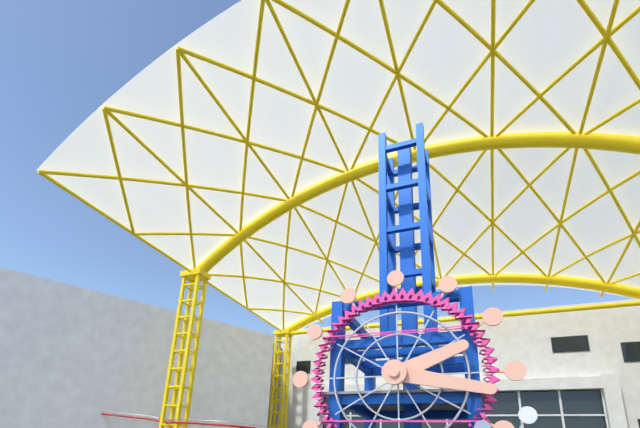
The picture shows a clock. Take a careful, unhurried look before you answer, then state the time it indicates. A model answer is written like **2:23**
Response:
**2:17**
